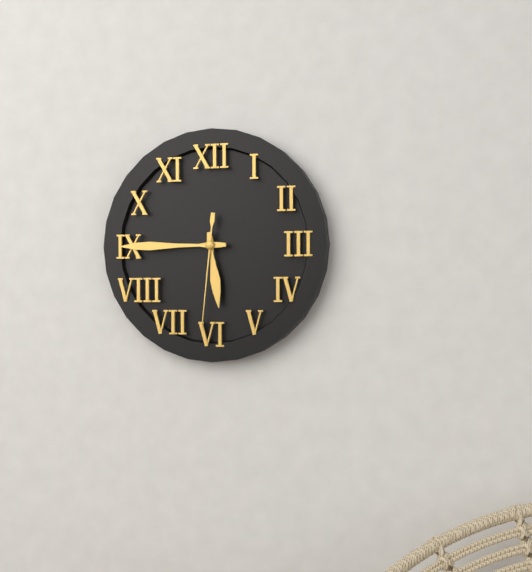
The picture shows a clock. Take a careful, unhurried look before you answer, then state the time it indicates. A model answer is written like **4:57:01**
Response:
**5:45:31**
